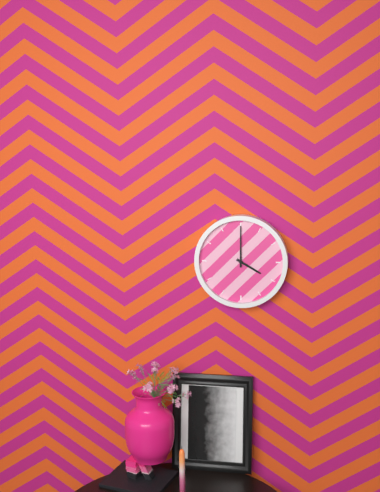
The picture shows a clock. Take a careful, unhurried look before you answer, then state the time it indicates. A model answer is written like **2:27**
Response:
**4:00**
